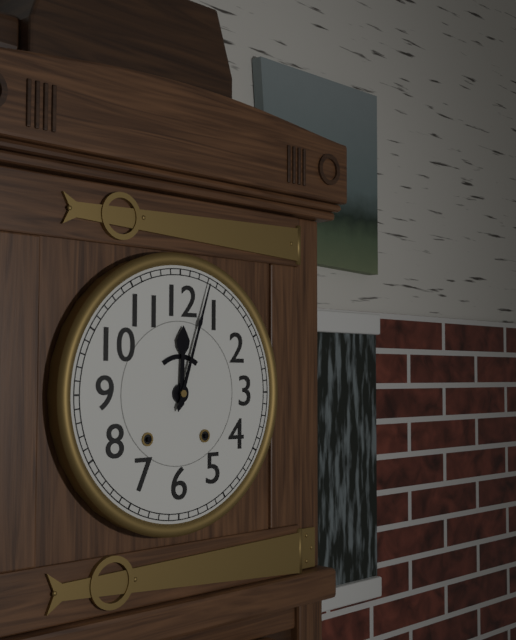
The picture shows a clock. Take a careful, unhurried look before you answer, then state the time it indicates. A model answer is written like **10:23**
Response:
**12:03**
